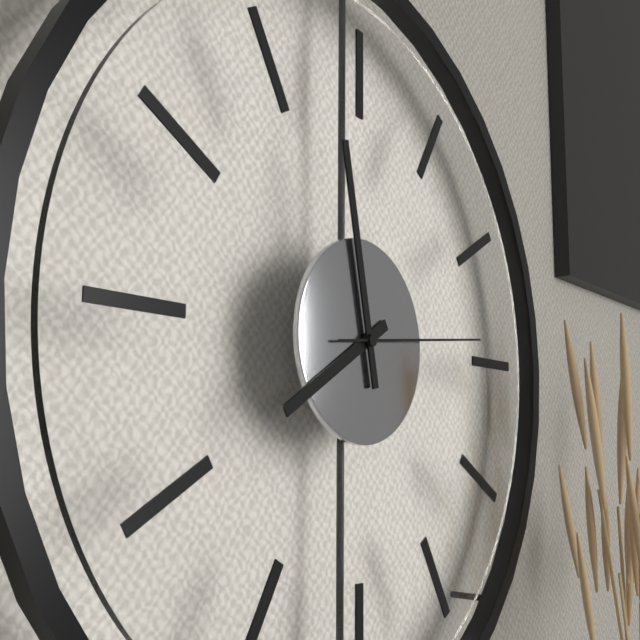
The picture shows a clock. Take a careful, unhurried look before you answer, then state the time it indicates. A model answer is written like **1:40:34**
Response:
**7:58:14**
